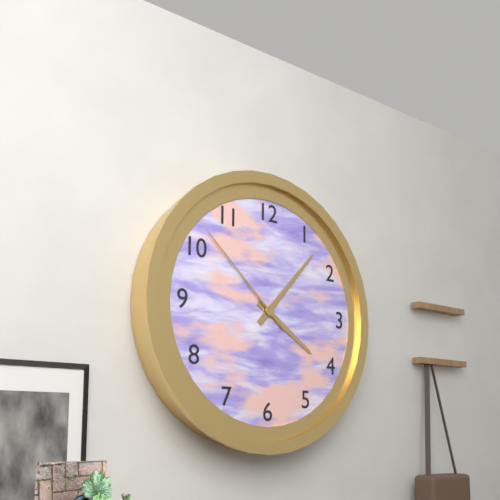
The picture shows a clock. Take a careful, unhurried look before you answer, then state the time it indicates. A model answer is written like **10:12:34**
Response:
**4:07:52**
